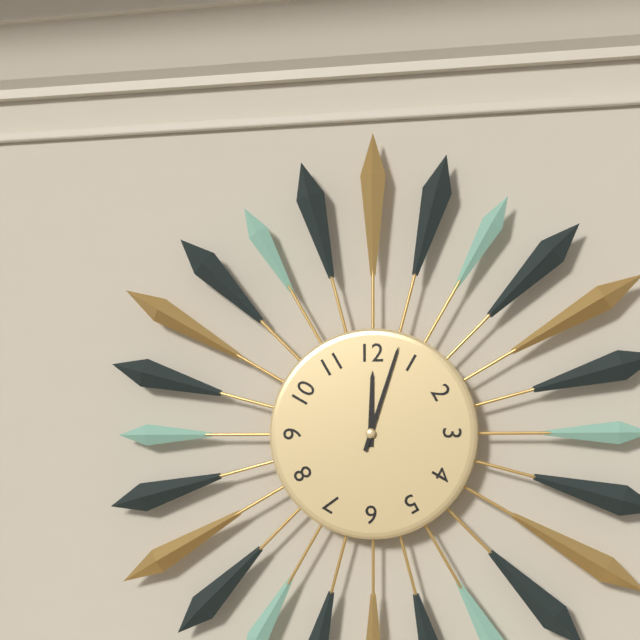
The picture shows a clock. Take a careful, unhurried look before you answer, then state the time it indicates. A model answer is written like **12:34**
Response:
**12:03**
